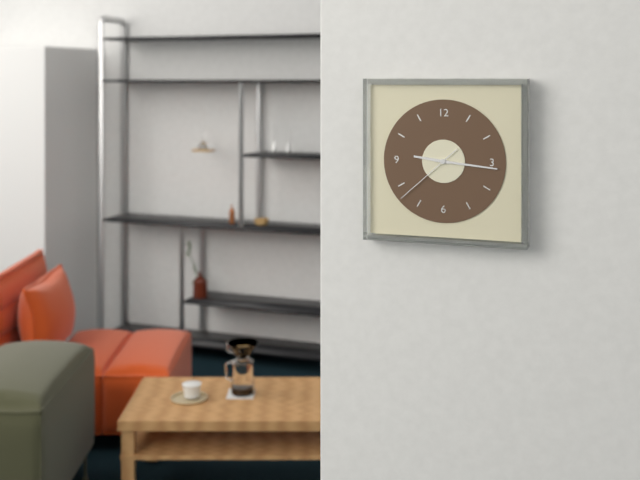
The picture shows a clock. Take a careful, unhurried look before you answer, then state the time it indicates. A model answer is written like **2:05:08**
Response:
**9:16:38**
